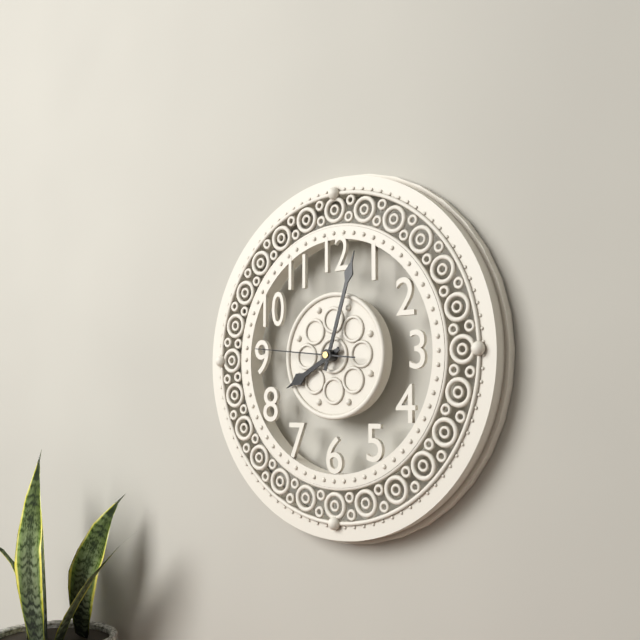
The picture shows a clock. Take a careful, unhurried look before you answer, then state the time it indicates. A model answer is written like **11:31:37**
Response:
**8:03:46**
